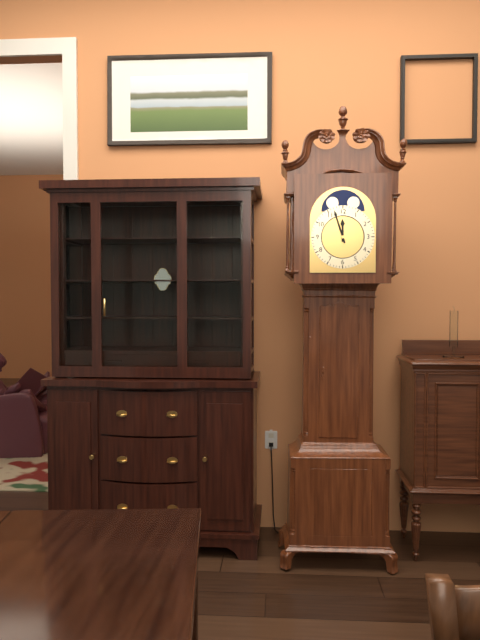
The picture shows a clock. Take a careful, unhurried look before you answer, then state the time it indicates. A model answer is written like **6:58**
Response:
**11:57**
